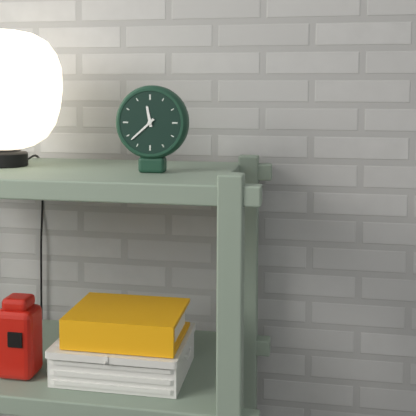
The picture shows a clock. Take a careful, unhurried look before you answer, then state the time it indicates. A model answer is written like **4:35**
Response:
**11:38**
